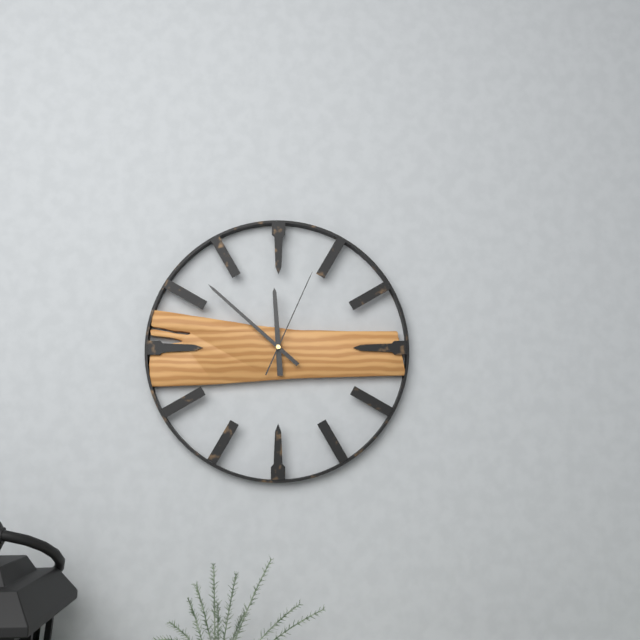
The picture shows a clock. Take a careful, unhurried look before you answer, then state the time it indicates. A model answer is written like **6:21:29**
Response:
**11:52:04**
